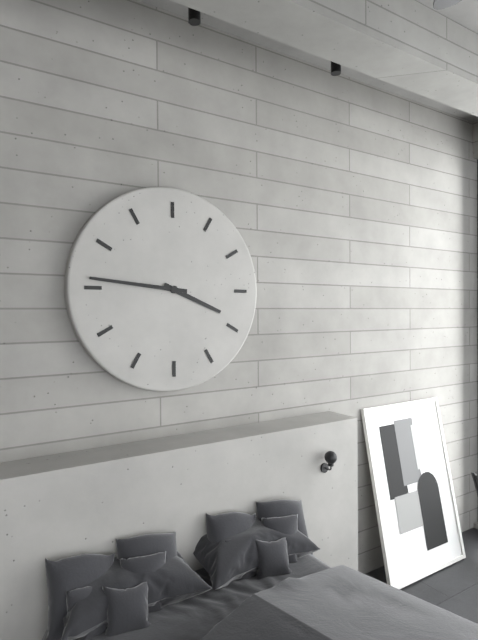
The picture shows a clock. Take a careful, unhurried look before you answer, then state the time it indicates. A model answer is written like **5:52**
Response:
**3:46**
